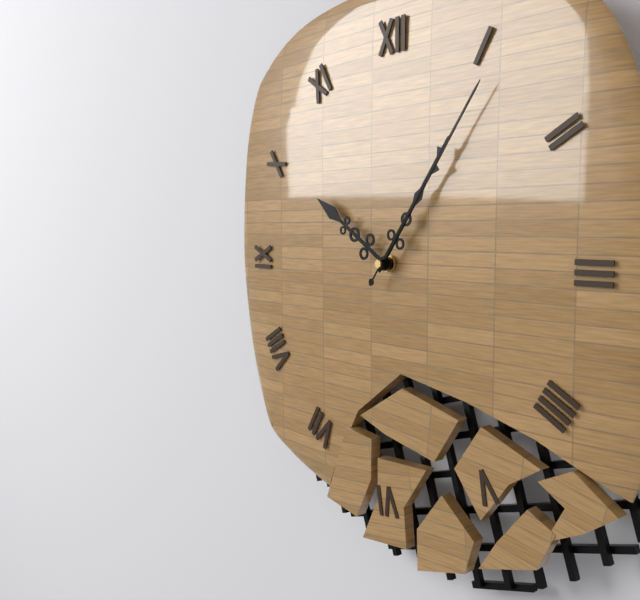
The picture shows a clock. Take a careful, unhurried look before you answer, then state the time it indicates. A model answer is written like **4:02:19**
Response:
**10:06:06**
